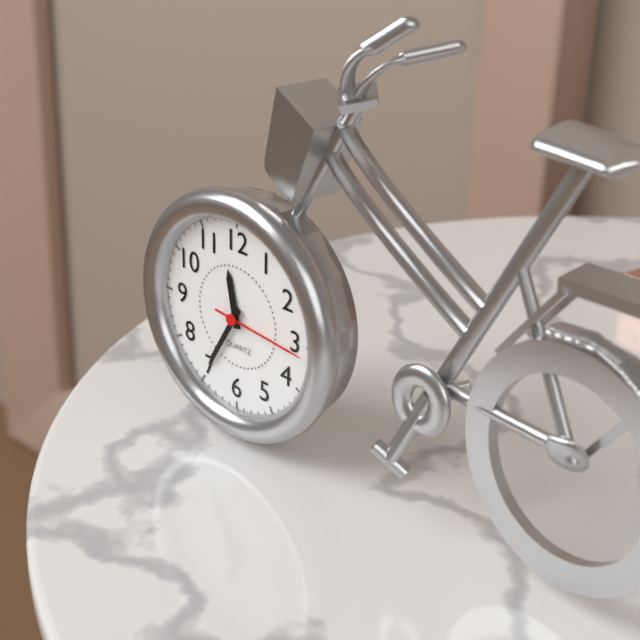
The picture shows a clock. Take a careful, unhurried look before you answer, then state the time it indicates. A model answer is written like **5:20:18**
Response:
**11:35:16**
